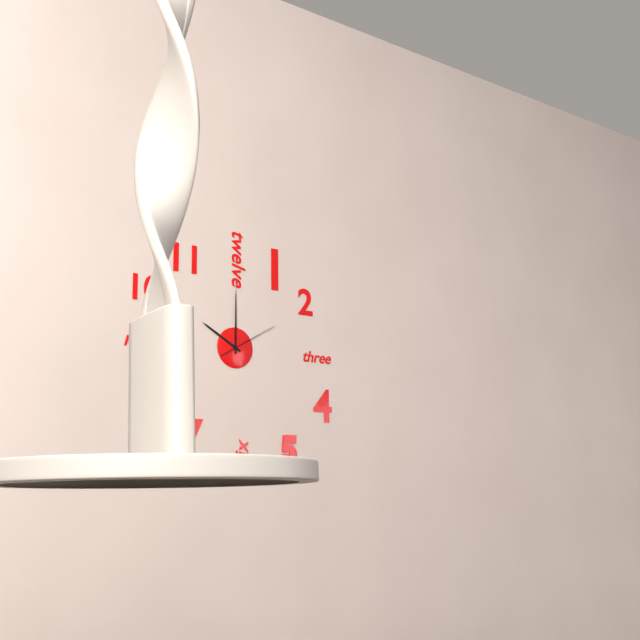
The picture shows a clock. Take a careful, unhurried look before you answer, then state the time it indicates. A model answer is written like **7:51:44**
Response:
**10:00:10**
